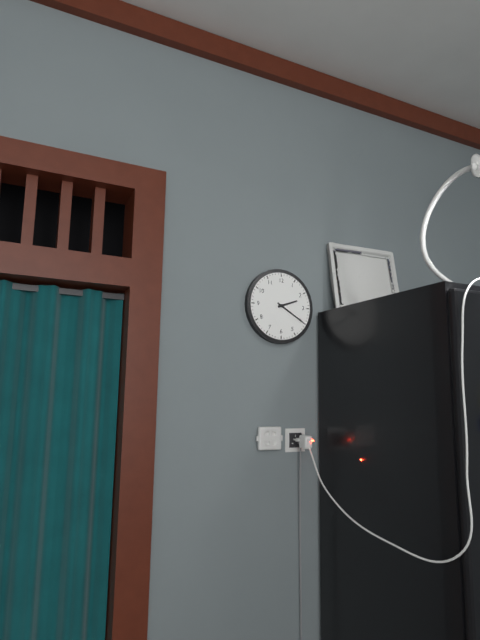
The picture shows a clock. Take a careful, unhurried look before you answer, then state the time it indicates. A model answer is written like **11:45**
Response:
**2:20**
